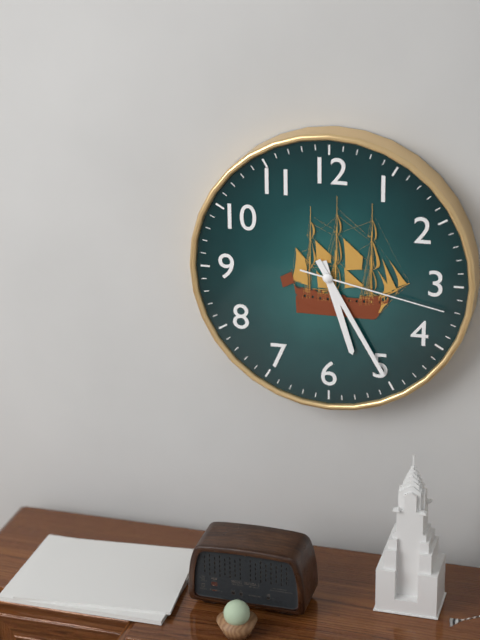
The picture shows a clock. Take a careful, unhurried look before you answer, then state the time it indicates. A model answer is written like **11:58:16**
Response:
**5:25:17**
